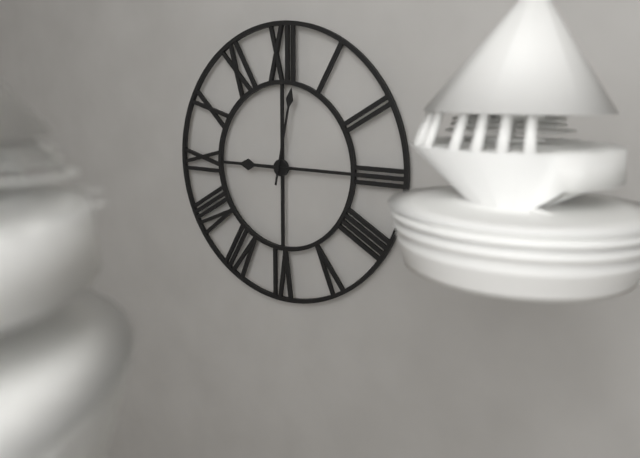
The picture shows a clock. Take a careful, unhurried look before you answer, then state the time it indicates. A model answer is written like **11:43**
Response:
**9:02**
